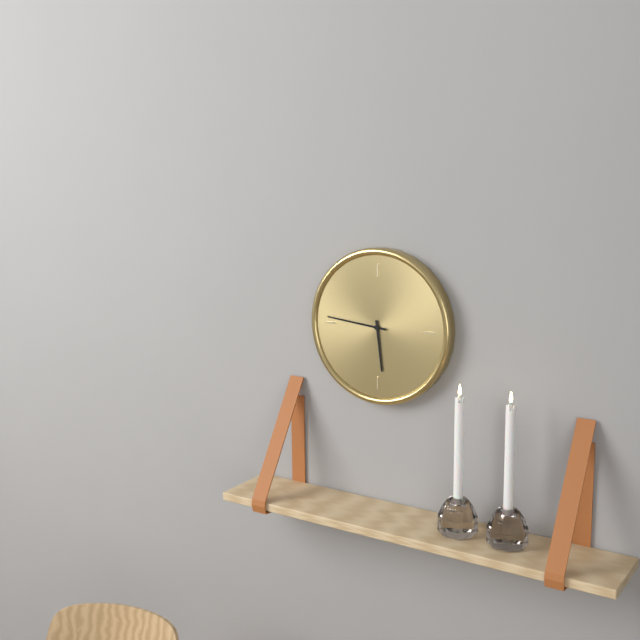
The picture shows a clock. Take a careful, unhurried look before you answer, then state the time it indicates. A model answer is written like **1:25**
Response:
**5:46**
